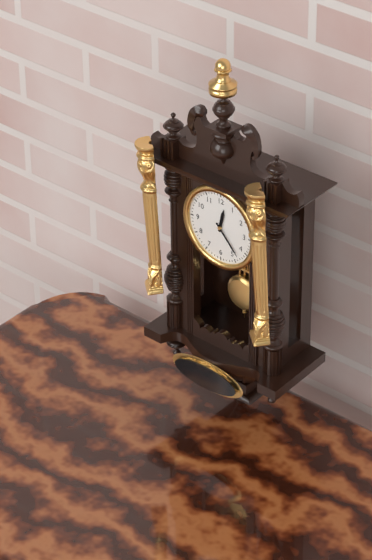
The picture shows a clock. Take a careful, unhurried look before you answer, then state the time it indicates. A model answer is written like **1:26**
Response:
**12:23**
